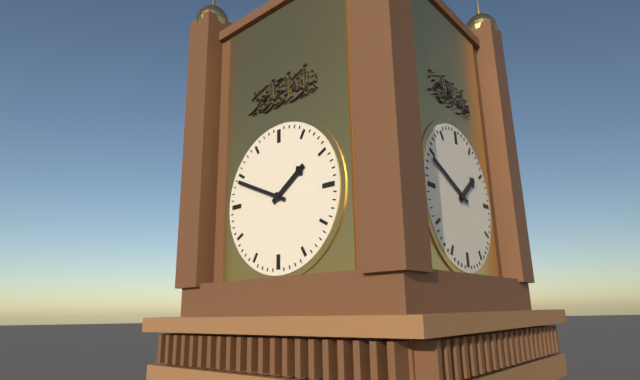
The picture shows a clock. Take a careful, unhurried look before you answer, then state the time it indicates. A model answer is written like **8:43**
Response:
**1:49**
